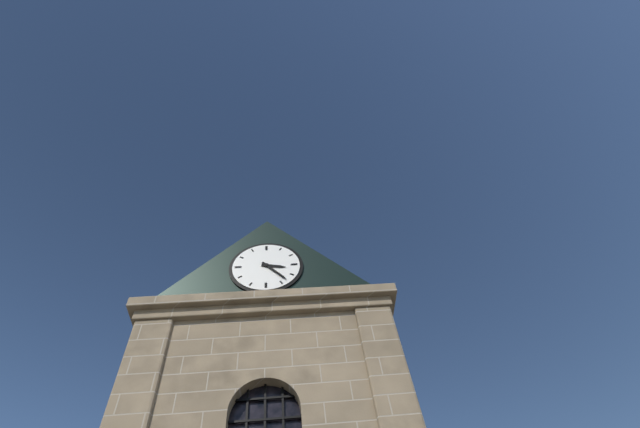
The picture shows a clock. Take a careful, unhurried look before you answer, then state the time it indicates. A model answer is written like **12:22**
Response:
**3:23**
